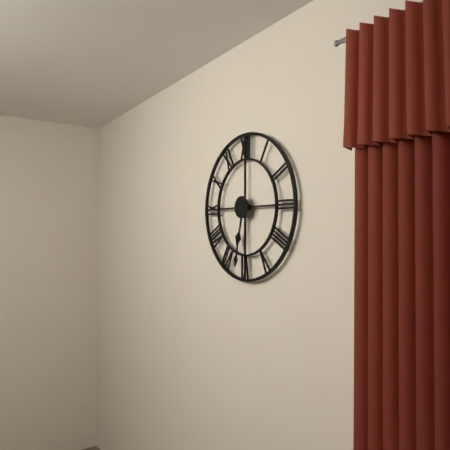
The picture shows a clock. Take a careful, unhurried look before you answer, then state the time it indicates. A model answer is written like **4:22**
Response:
**6:32**
